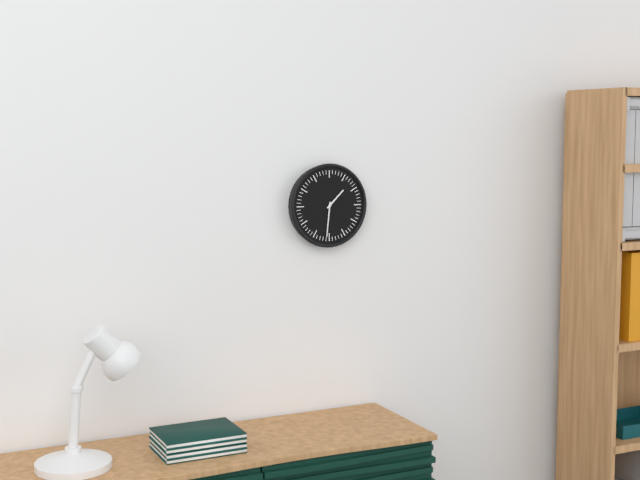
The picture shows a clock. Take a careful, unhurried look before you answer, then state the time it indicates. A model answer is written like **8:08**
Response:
**1:31**
